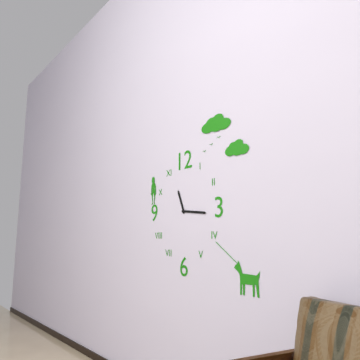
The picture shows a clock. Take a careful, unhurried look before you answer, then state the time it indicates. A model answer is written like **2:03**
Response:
**11:16**
